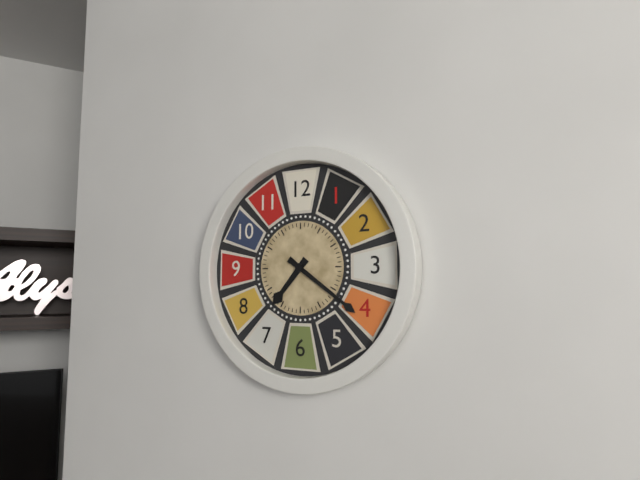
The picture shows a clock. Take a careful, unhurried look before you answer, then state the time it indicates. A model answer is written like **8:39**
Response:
**7:21**
